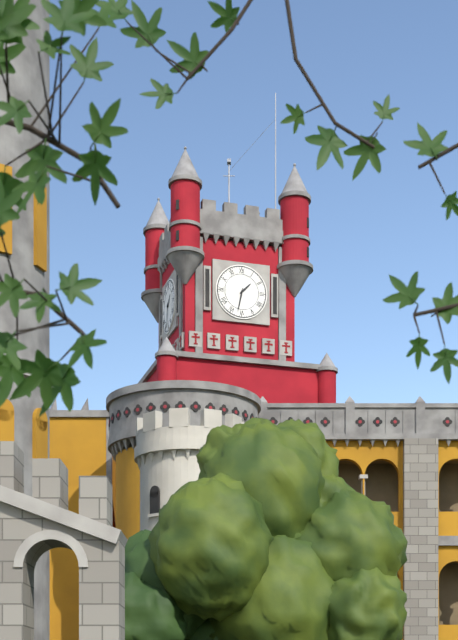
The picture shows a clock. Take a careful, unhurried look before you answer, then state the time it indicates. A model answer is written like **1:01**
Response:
**1:32**
